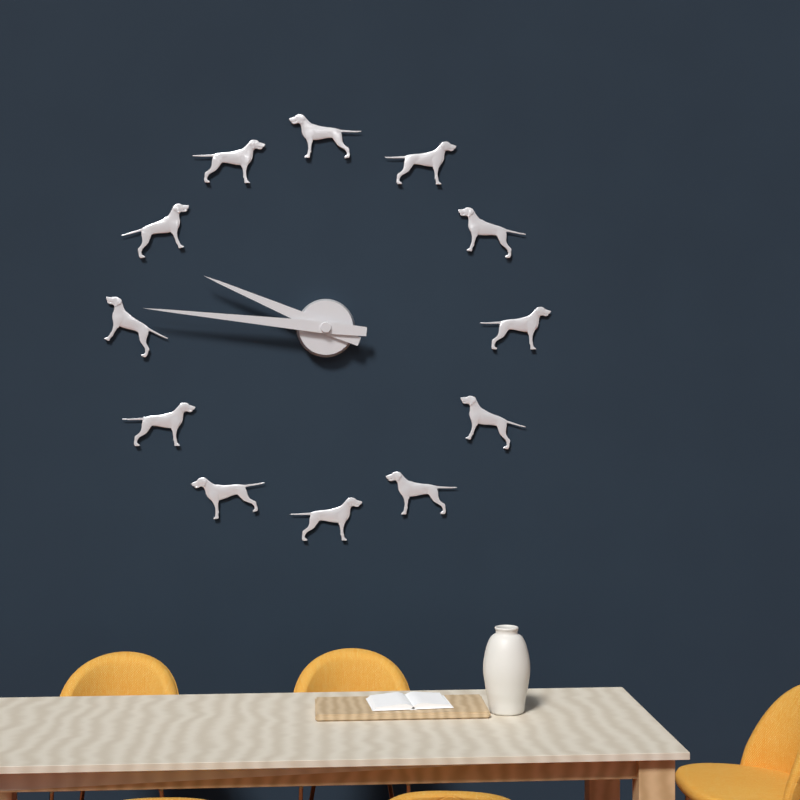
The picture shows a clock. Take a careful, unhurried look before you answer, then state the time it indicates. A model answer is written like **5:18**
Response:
**9:46**
